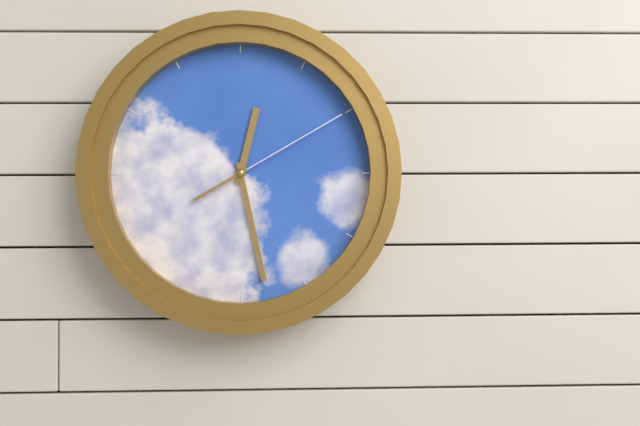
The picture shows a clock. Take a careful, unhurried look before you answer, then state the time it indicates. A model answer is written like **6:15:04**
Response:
**12:28:10**
